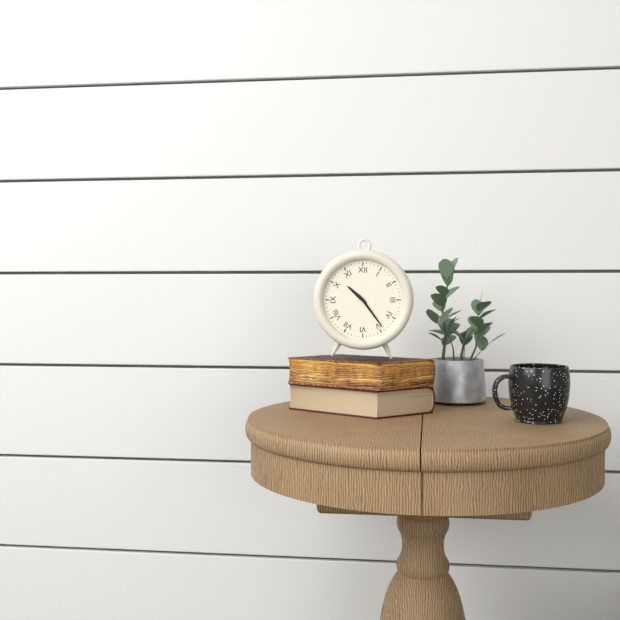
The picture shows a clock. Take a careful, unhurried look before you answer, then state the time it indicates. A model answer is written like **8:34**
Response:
**10:24**
